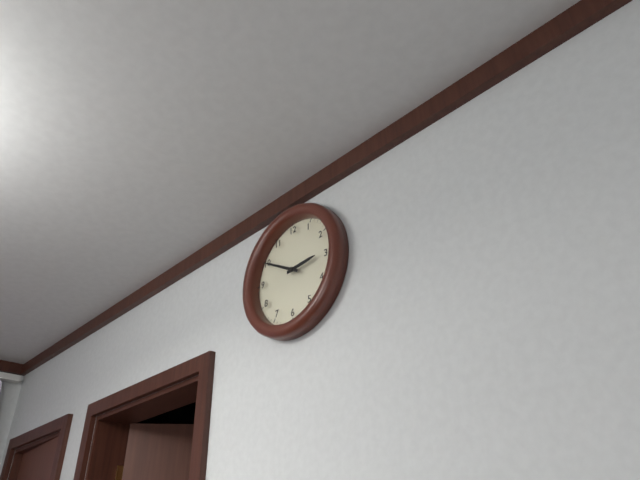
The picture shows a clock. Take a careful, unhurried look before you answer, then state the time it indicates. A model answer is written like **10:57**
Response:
**2:50**
